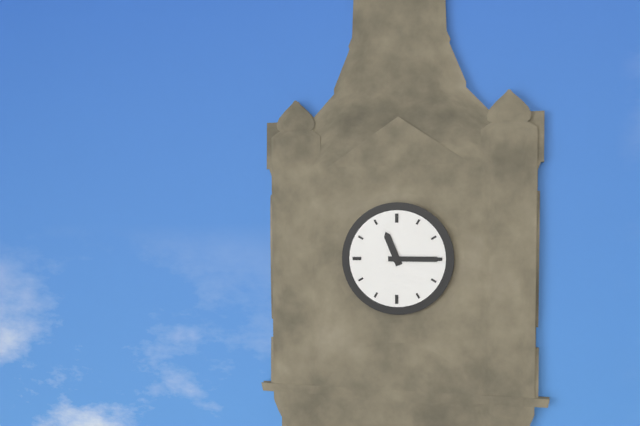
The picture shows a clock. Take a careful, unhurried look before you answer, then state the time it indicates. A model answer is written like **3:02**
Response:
**11:15**
